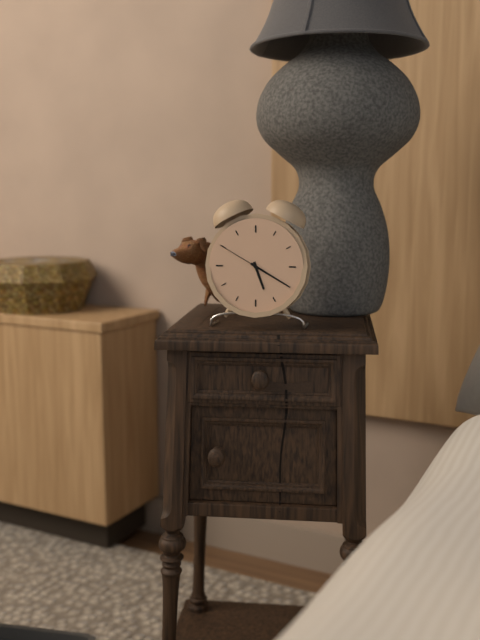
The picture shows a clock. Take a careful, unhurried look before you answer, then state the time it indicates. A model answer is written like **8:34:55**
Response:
**5:20:50**
